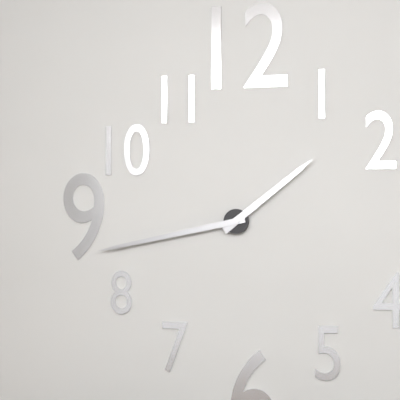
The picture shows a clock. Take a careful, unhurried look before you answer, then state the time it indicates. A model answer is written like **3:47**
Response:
**1:43**
